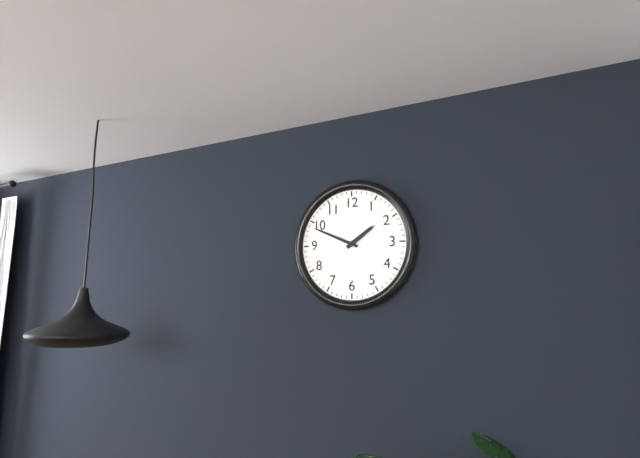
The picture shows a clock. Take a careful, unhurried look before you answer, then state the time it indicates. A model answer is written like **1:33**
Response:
**1:49**
